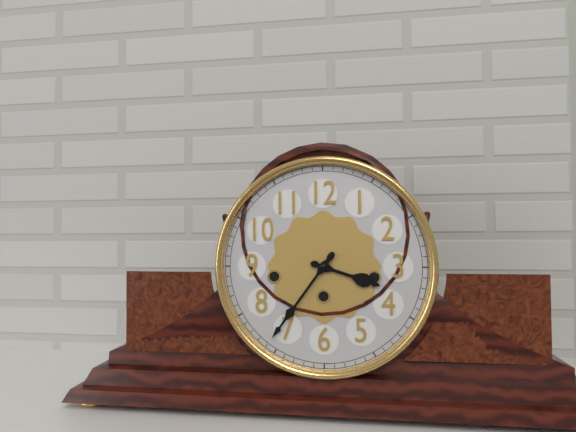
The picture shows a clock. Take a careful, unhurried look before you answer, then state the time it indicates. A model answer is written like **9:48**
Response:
**3:36**
